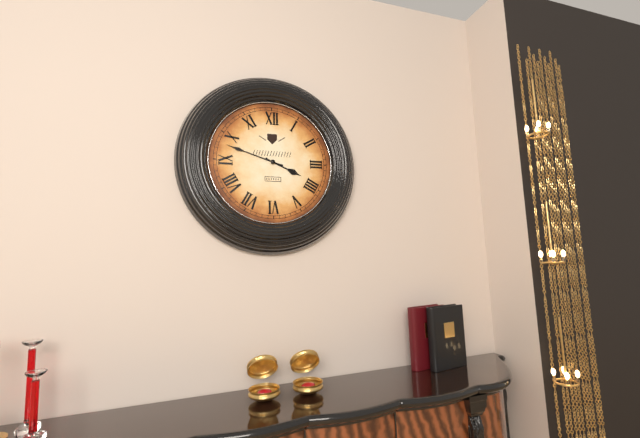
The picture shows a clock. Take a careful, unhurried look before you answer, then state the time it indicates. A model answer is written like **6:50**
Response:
**3:48**
